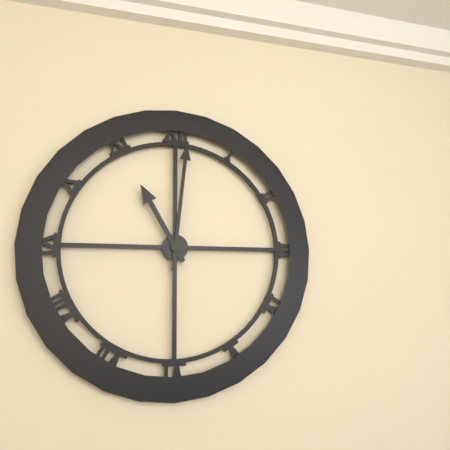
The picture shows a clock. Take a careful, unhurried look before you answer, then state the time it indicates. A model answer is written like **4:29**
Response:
**11:01**
